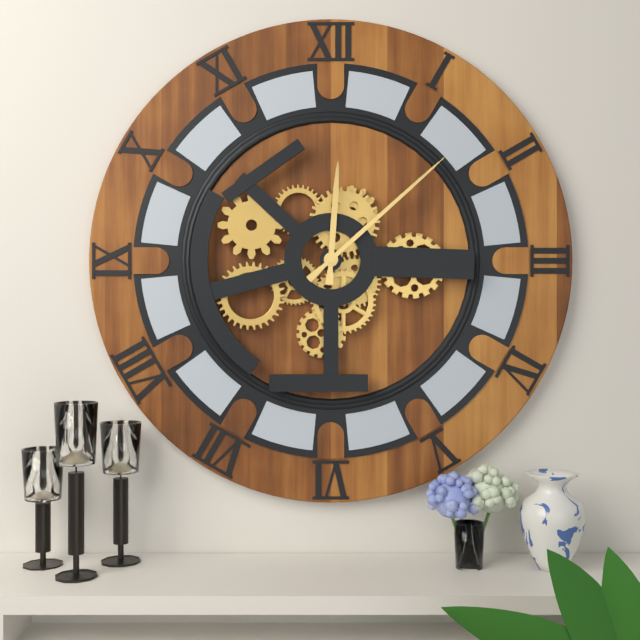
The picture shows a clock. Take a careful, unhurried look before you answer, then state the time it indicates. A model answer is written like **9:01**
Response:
**12:08**
